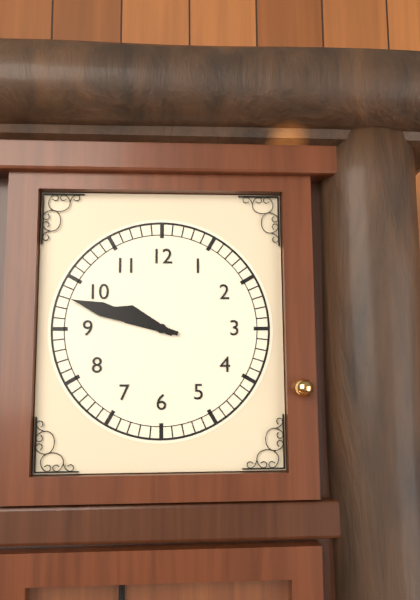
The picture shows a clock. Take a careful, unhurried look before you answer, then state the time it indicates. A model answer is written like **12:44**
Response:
**9:48**
